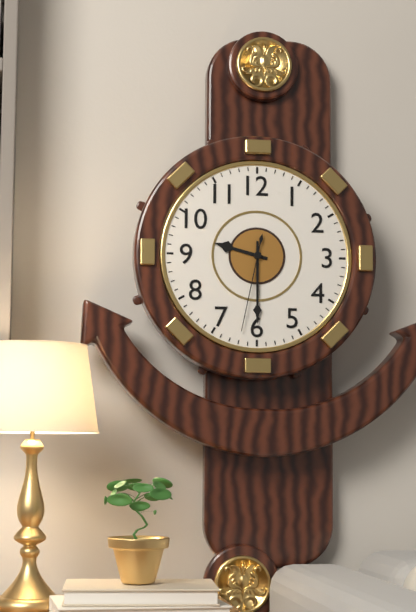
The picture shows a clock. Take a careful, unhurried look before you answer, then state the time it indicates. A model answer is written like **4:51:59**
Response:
**9:30:32**
